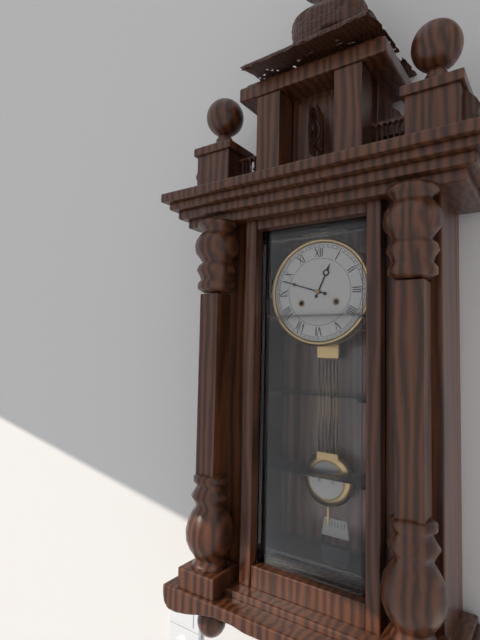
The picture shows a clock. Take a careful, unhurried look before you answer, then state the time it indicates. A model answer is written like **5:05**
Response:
**12:48**
